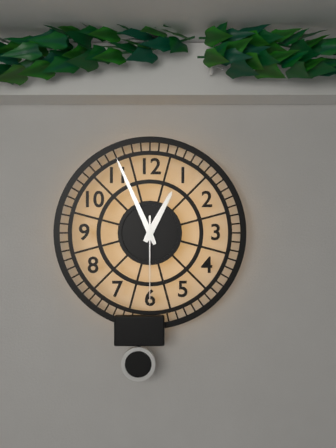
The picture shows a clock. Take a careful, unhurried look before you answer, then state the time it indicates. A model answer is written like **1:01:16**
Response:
**12:56:30**
